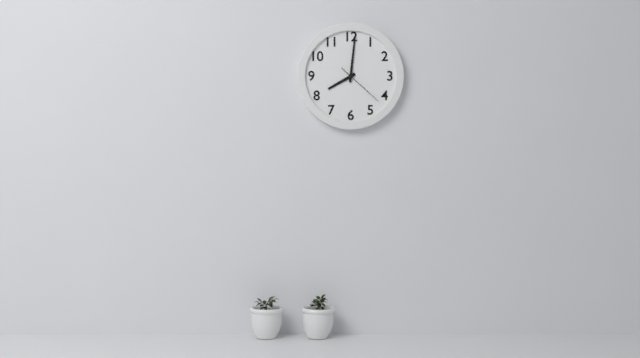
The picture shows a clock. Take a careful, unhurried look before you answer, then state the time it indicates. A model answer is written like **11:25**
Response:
**8:01**
